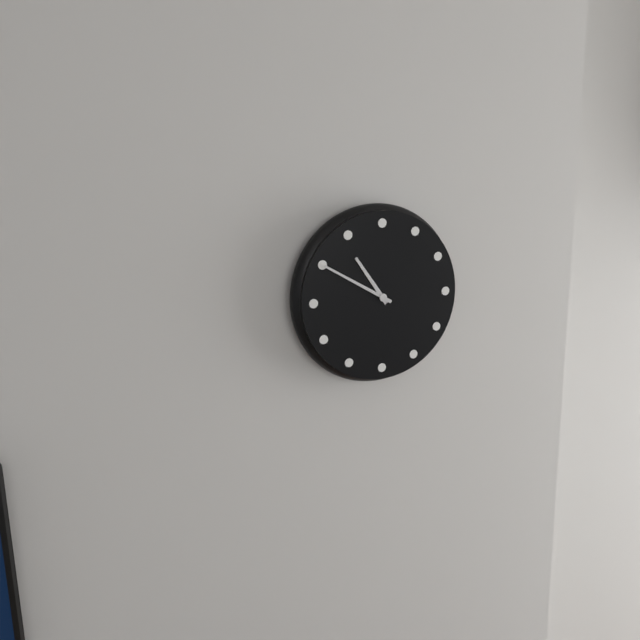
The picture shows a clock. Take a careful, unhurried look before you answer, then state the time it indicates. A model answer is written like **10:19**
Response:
**10:50**
